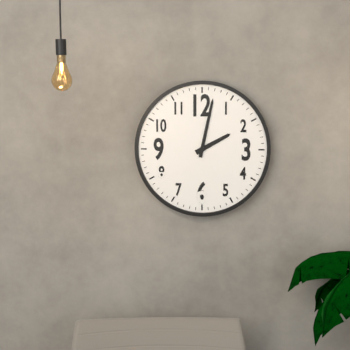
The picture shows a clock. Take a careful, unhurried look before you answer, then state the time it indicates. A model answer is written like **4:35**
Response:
**2:02**
